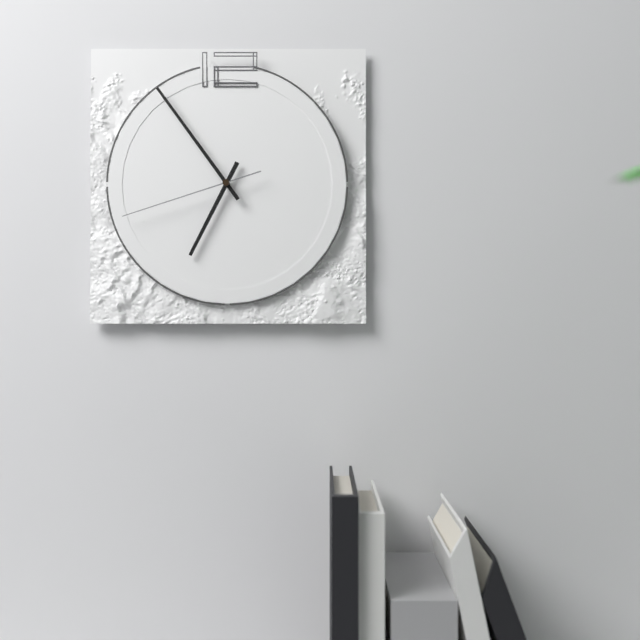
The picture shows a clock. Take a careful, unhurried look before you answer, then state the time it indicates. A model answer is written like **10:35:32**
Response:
**6:54:42**
